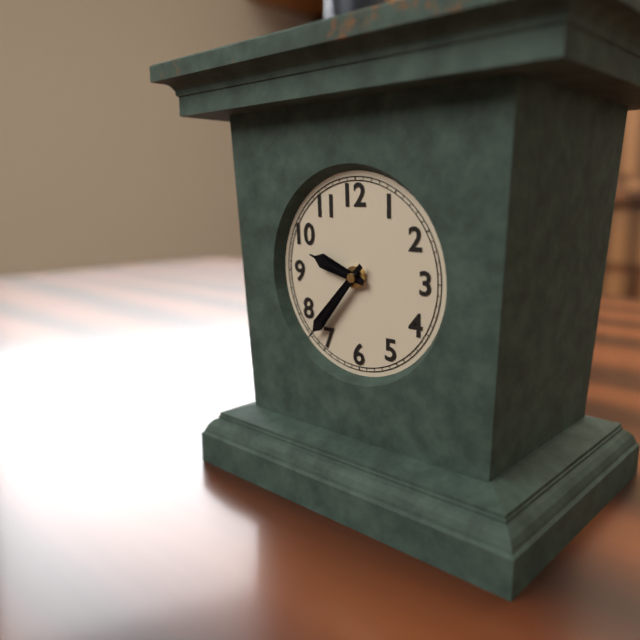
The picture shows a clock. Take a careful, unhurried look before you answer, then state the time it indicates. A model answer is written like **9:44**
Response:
**9:37**
